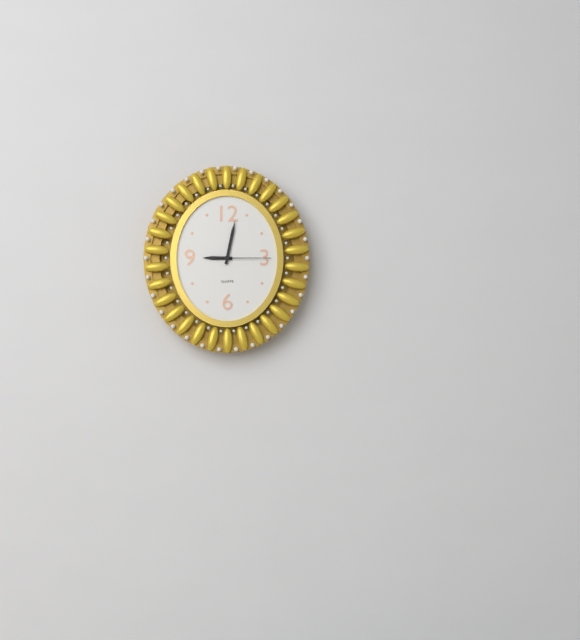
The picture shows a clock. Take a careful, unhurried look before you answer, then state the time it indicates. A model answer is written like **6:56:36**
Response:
**9:02:15**
